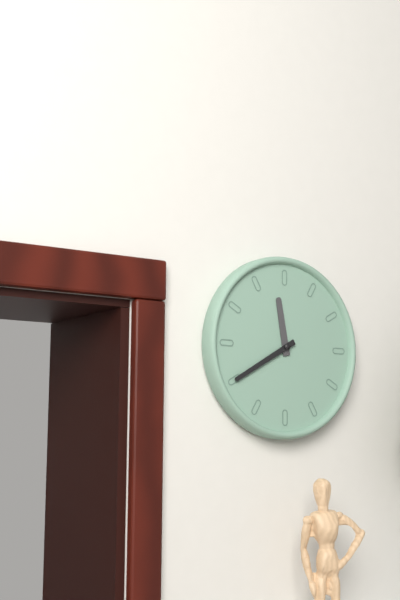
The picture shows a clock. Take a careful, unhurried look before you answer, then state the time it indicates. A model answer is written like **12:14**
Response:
**11:40**
